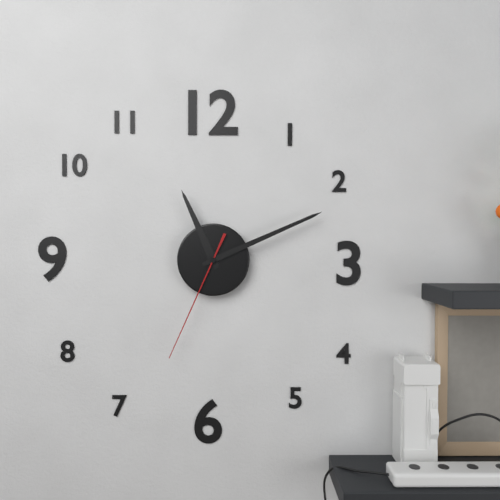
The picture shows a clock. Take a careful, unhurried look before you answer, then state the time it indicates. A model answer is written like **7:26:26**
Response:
**11:11:34**
